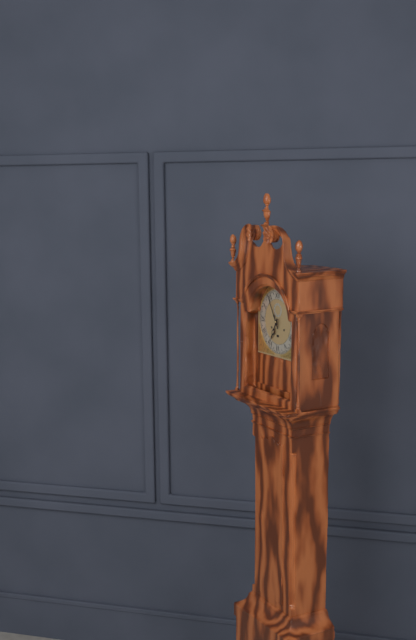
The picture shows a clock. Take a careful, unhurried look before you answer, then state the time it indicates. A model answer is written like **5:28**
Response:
**6:55**
